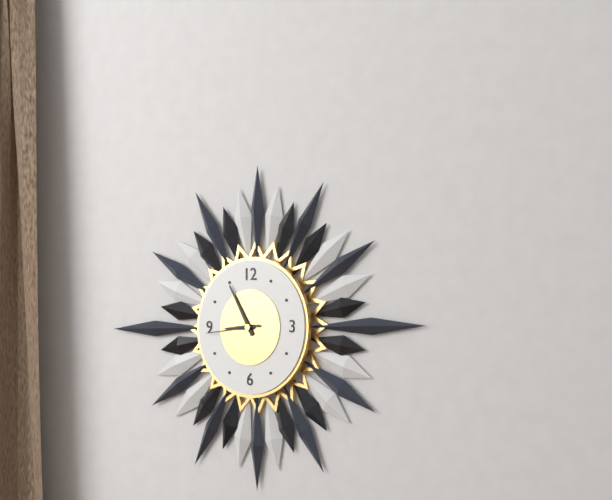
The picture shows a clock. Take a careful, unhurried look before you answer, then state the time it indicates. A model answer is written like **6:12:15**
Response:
**8:55:44**
